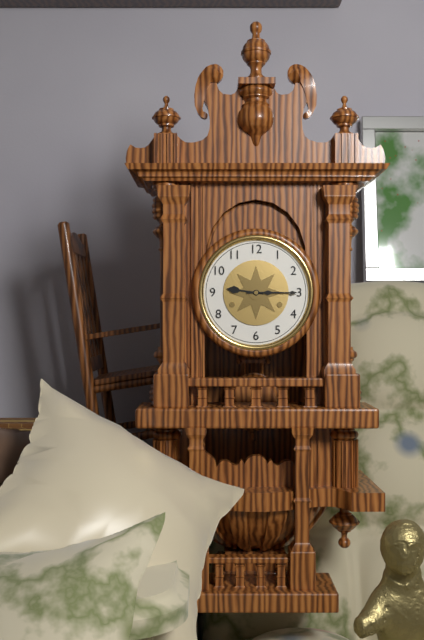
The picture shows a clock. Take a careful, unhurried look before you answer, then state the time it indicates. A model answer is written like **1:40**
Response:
**9:15**
